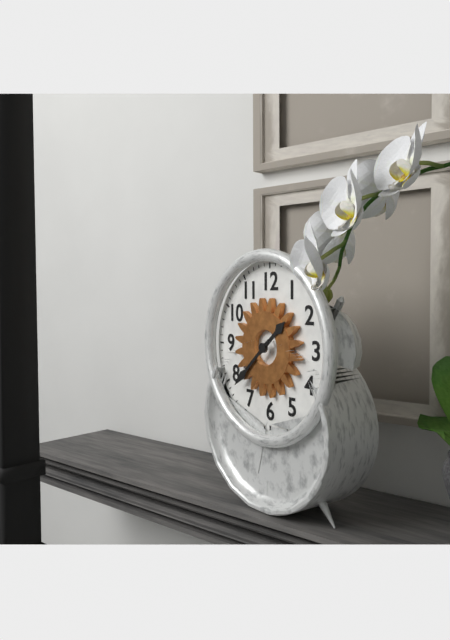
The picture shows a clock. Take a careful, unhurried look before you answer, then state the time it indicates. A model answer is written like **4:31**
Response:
**1:38**
